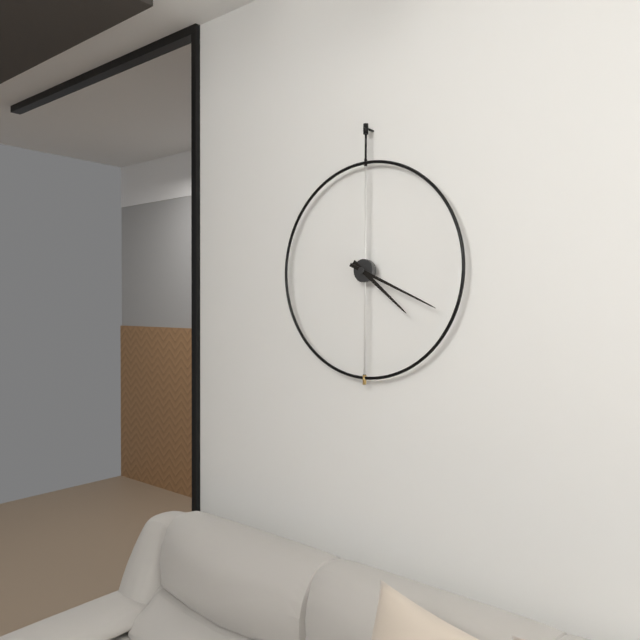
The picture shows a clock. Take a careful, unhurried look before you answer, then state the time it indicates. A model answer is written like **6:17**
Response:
**4:19**
